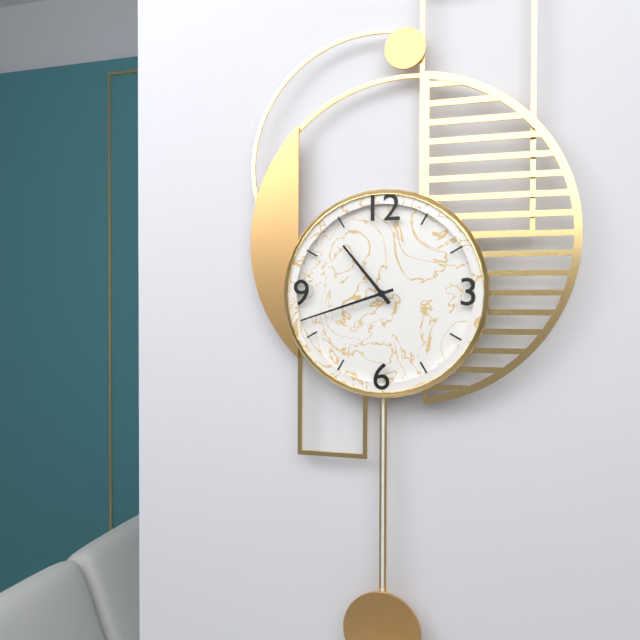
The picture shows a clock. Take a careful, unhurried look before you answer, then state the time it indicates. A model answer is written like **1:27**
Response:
**10:42**
